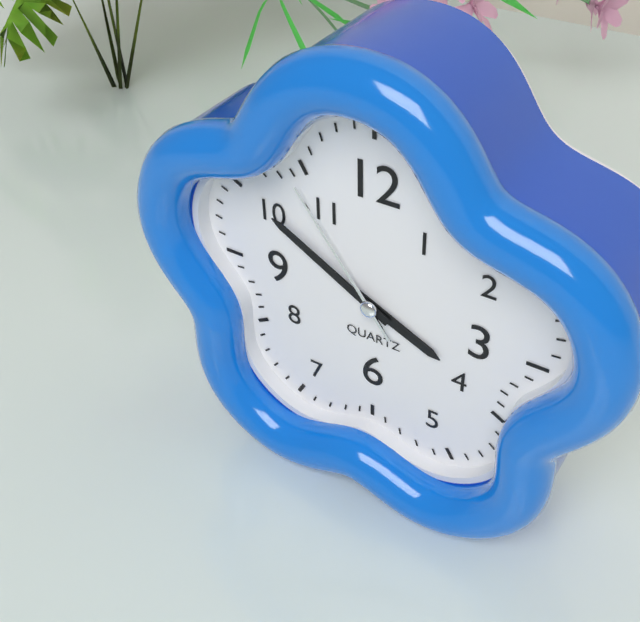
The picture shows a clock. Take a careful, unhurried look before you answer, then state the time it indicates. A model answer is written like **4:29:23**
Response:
**3:50:54**
